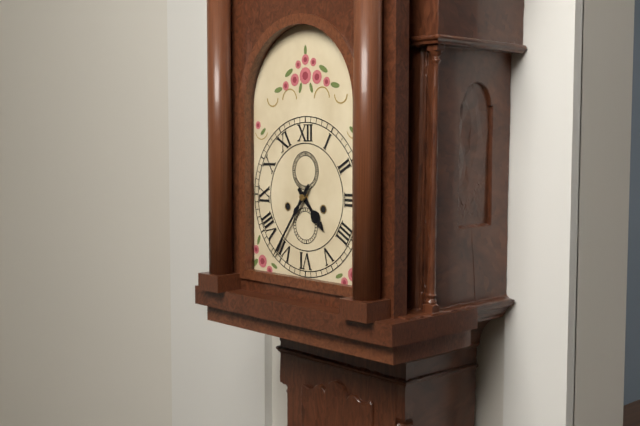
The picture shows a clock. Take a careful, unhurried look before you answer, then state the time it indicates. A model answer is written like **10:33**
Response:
**4:36**
